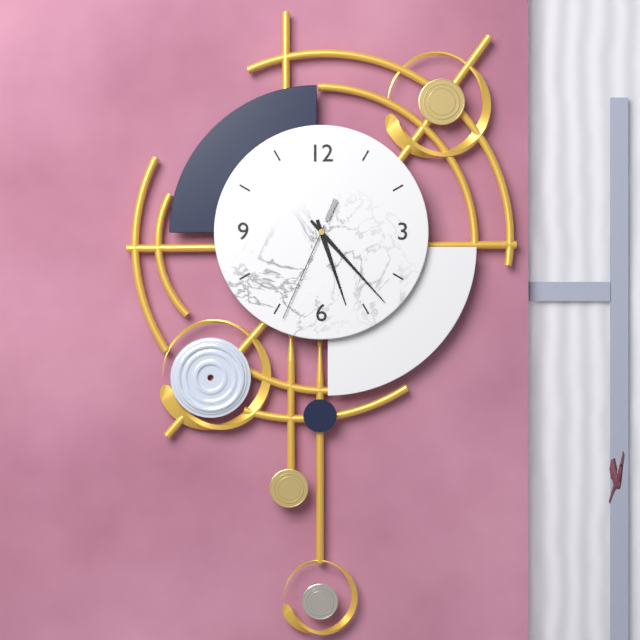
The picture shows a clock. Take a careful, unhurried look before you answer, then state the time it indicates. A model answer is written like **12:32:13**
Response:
**5:23:34**
